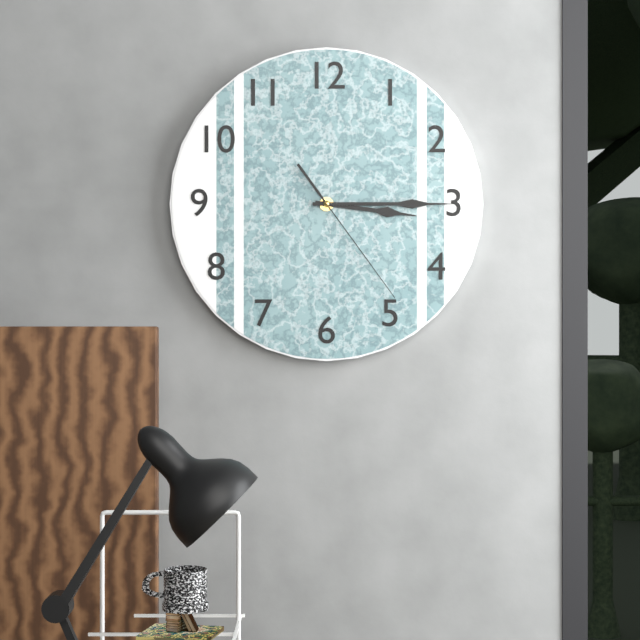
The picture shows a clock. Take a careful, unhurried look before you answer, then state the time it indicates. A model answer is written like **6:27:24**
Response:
**3:15:24**
